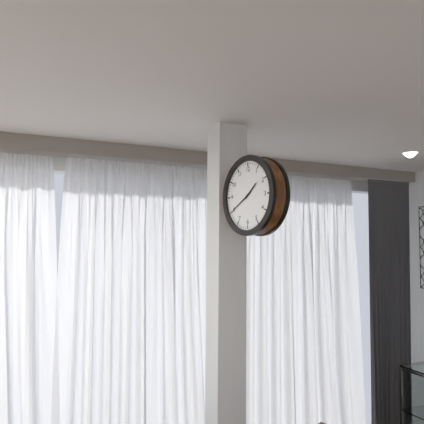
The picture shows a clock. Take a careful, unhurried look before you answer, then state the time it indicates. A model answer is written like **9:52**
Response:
**1:40**
